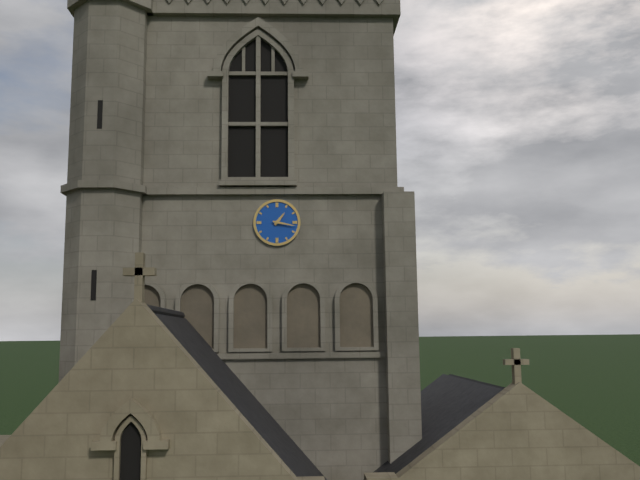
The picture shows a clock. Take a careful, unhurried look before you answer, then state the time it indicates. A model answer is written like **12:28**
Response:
**1:17**
